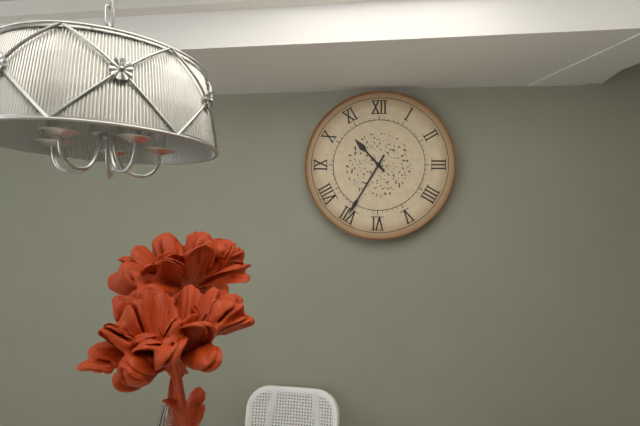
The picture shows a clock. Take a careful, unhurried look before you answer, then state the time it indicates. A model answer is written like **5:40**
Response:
**10:35**
